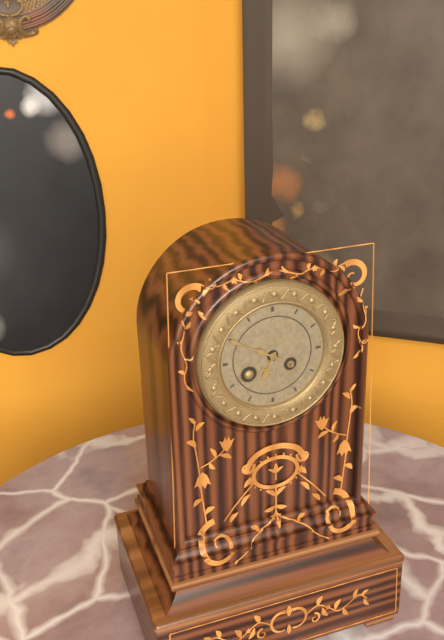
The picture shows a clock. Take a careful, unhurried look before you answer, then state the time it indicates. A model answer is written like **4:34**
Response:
**6:50**
